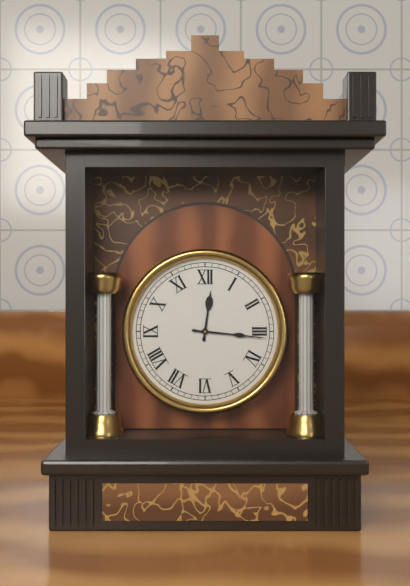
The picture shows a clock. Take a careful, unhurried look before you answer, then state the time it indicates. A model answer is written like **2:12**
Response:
**12:16**
